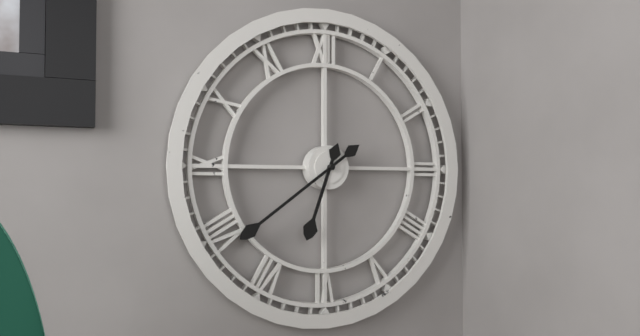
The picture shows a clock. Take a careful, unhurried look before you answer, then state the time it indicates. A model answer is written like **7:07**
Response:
**6:39**
